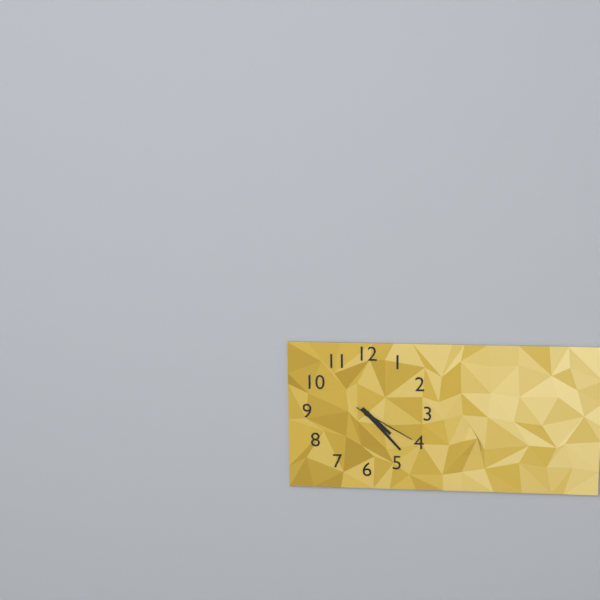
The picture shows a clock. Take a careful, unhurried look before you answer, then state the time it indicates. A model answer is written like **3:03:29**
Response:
**4:23:20**
